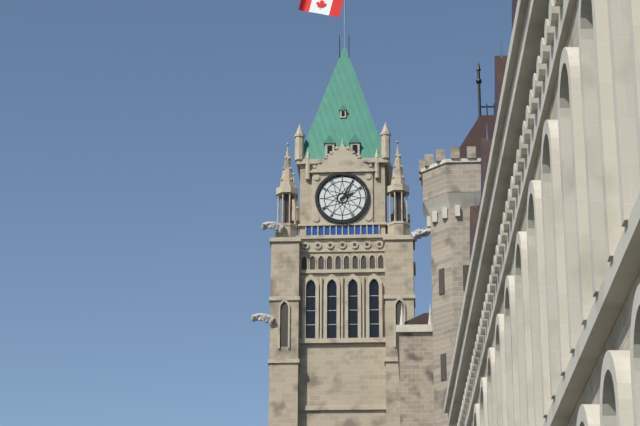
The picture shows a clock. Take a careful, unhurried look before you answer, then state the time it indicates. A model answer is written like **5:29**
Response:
**2:05**
